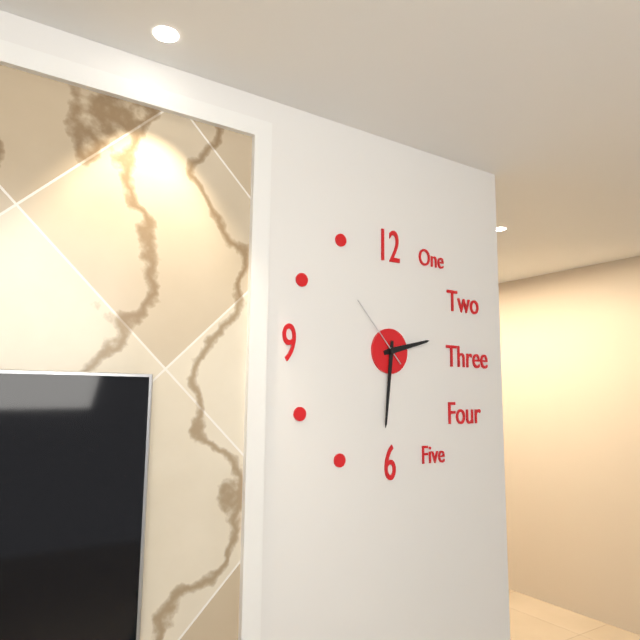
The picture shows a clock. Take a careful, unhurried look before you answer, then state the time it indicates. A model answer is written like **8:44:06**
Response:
**2:31:53**
